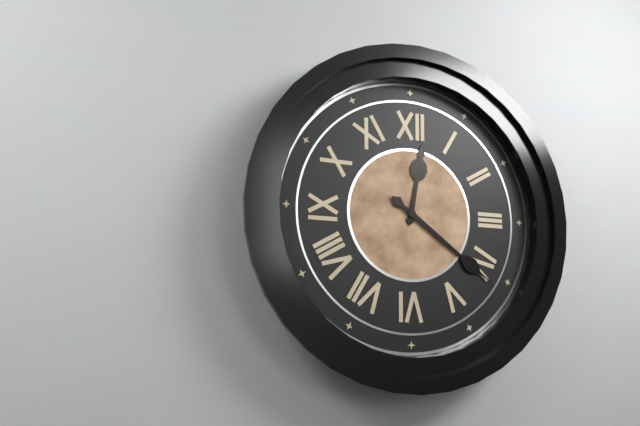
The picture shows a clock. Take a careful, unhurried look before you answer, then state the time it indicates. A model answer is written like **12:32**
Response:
**12:21**
